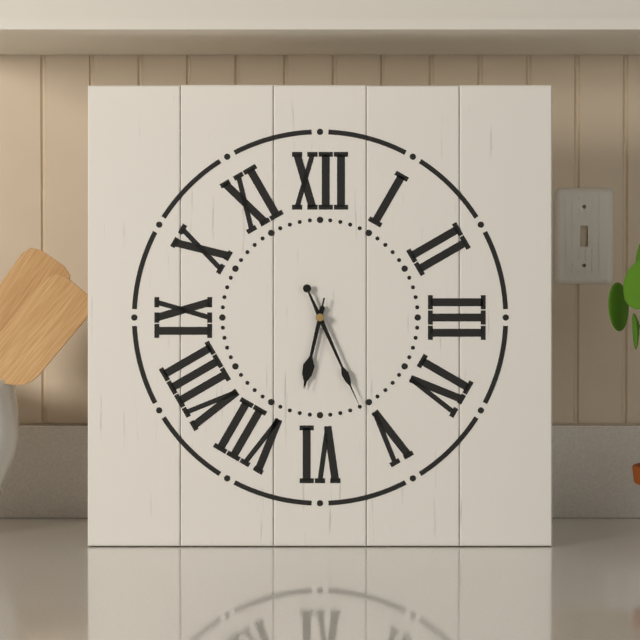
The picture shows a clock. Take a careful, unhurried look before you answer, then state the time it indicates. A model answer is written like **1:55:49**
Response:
**6:26:32**
